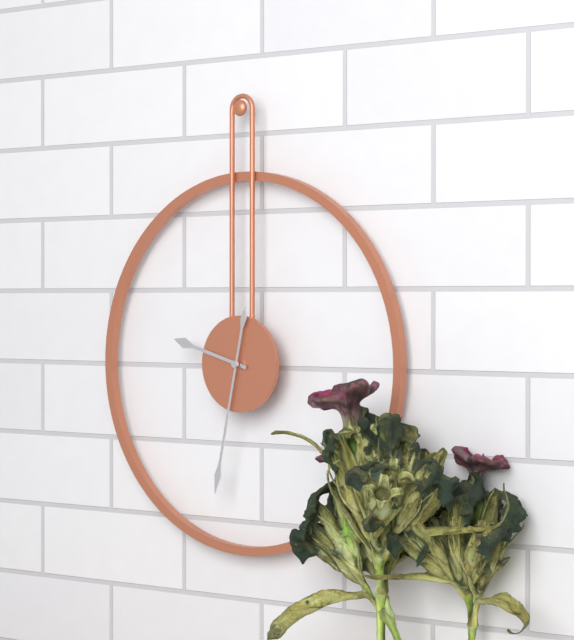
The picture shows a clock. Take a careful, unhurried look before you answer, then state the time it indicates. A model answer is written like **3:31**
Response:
**9:32**
